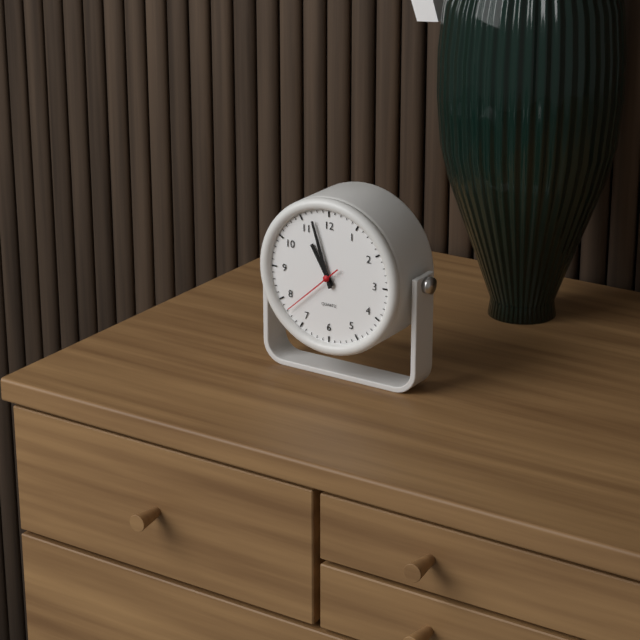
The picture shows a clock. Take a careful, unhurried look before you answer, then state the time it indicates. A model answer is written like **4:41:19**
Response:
**10:57:38**
